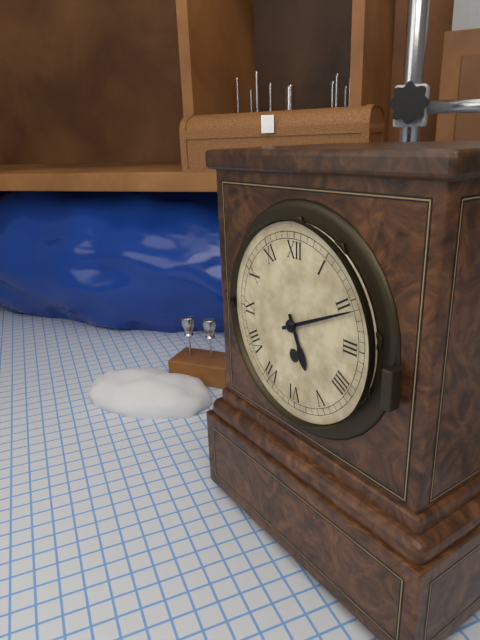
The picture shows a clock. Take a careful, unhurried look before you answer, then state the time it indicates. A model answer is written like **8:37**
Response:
**5:11**
